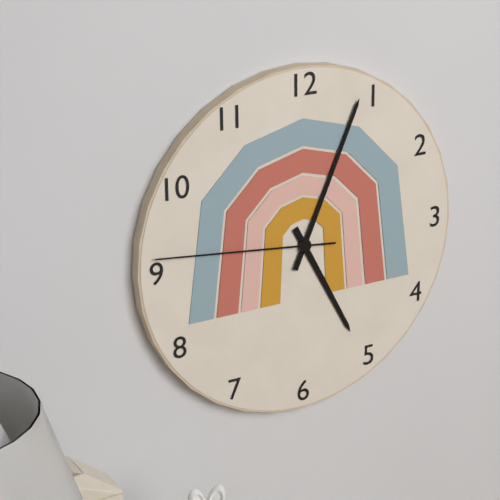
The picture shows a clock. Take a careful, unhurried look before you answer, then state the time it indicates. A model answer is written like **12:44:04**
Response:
**5:04:46**
